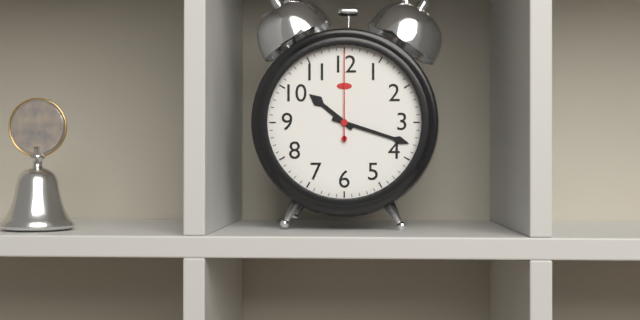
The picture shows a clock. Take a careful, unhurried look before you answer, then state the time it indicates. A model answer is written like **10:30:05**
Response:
**10:18:00**
